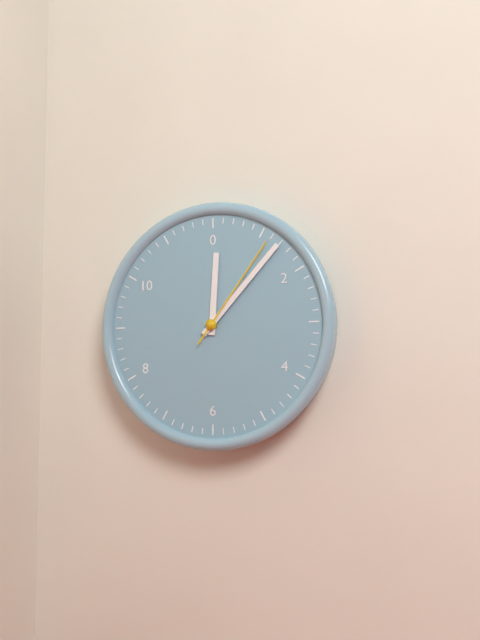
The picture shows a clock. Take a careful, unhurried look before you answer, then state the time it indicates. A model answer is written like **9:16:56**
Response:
**12:07:06**
